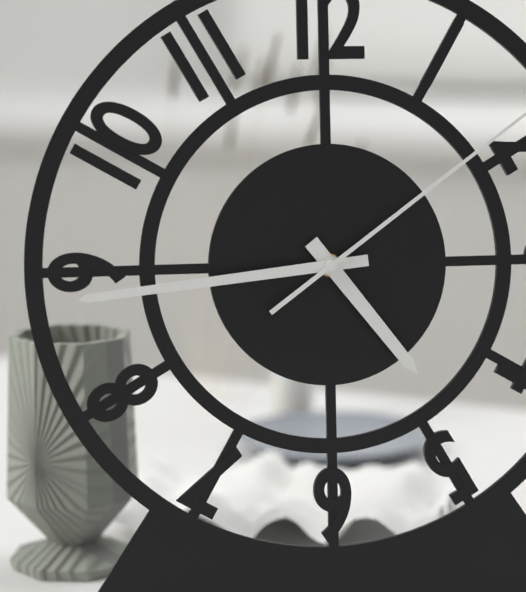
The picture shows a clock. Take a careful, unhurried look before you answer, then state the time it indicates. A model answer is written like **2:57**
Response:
**4:44**
